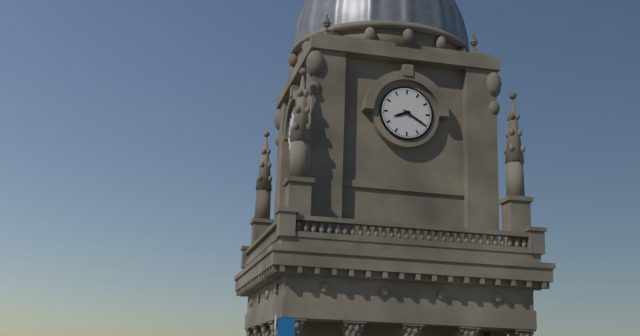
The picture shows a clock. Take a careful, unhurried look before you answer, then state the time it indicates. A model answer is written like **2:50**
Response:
**8:20**
